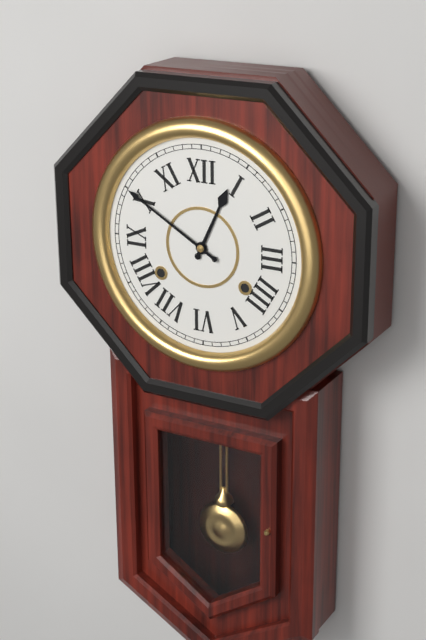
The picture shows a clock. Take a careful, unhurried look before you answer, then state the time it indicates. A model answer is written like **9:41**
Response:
**12:50**
